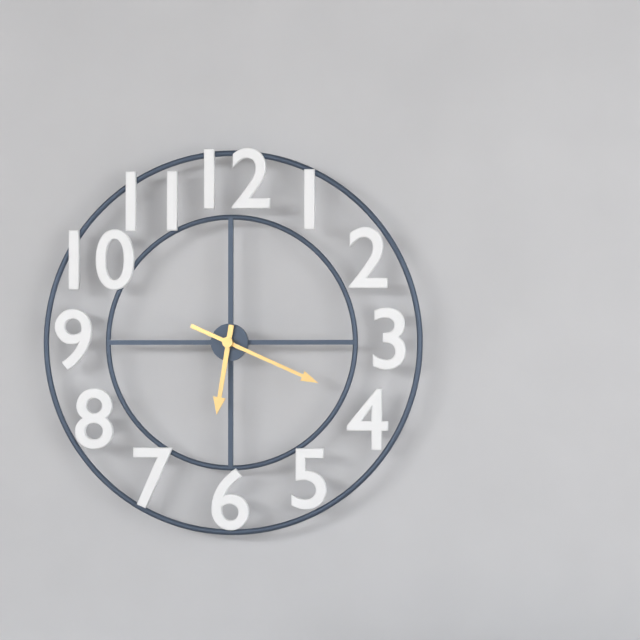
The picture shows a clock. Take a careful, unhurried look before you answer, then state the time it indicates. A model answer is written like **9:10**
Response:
**6:19**
